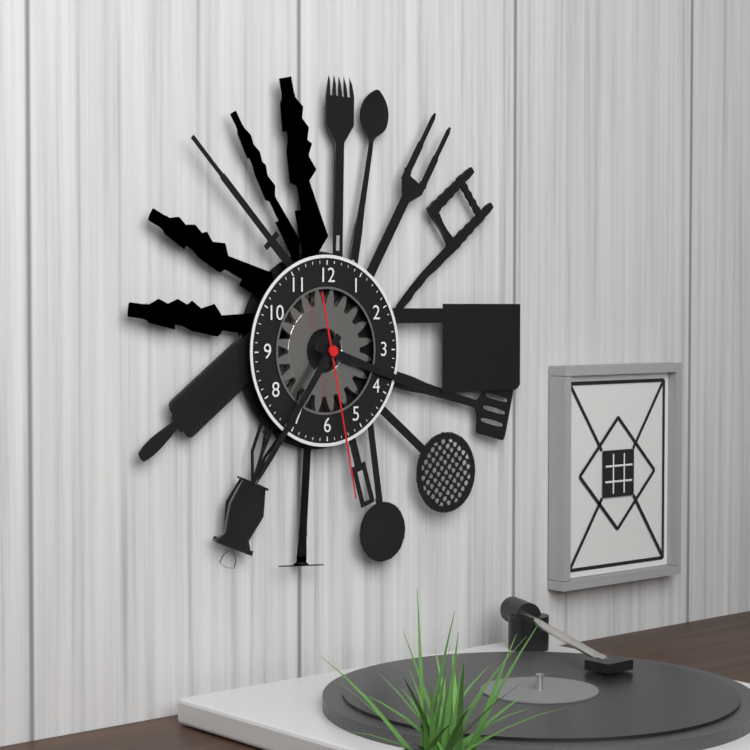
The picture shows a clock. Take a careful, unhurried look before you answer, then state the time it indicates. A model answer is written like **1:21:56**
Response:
**3:36:28**
